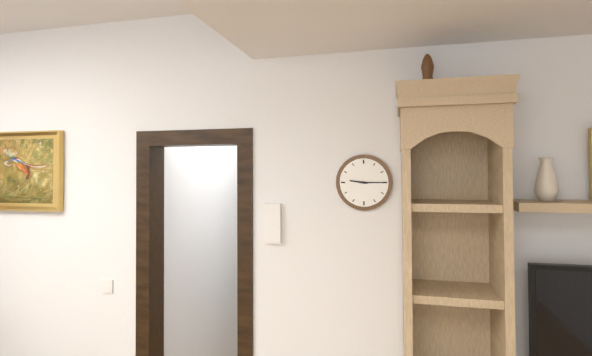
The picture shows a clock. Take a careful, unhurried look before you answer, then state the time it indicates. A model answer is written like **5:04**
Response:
**9:15**
